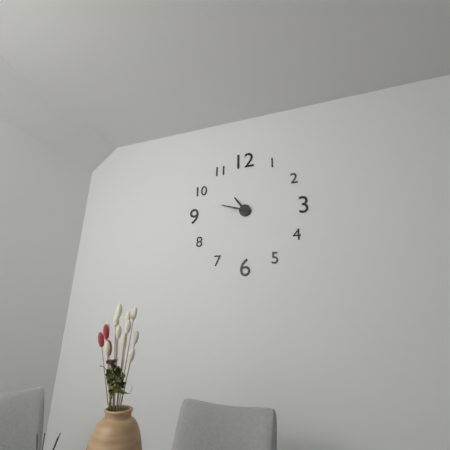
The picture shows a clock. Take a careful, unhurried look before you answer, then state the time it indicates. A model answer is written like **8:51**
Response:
**10:48**
